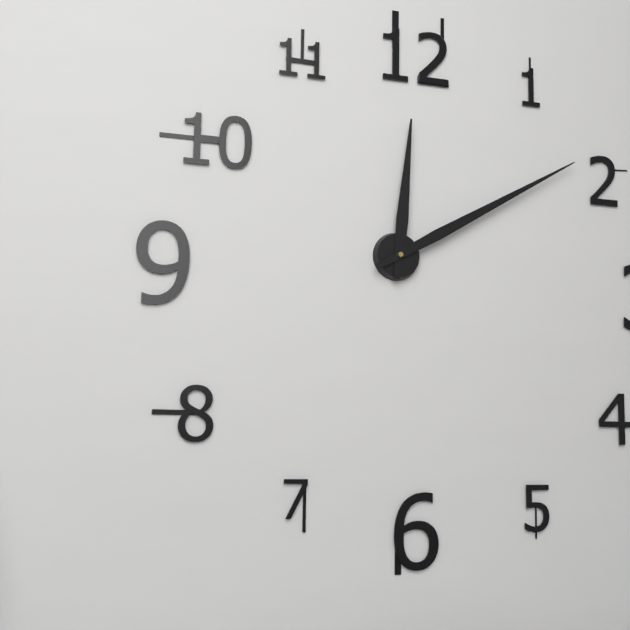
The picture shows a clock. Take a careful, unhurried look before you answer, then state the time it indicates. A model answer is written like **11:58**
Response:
**12:10**
